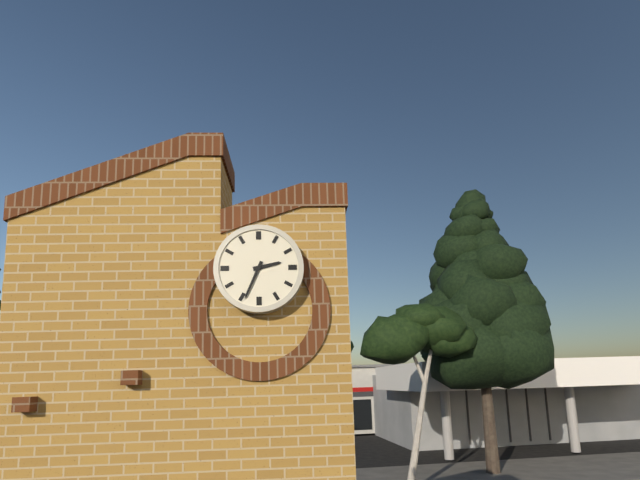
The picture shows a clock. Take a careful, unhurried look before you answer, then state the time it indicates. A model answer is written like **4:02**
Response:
**2:34**
